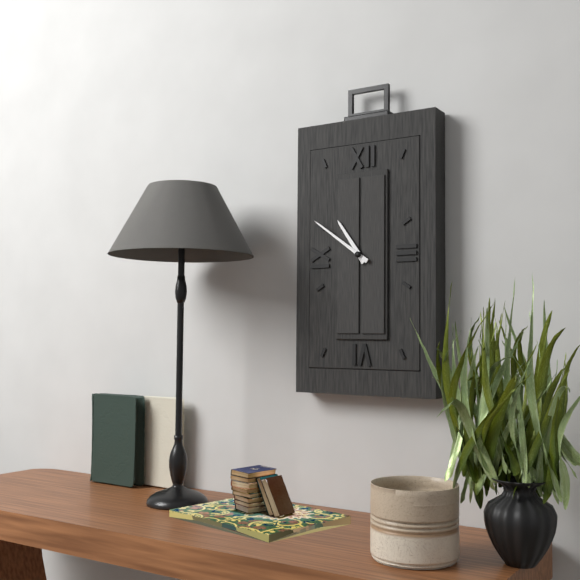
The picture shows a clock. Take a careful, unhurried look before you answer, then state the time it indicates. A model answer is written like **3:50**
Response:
**10:51**
